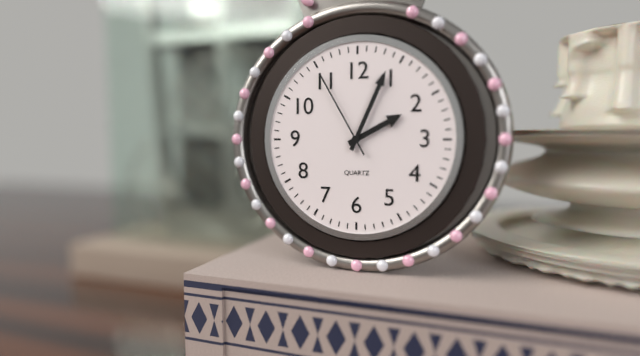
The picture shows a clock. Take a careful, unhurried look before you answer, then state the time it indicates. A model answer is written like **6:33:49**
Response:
**2:04:55**
